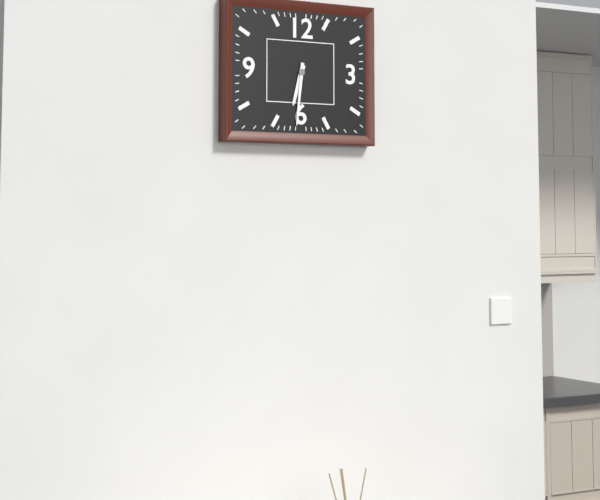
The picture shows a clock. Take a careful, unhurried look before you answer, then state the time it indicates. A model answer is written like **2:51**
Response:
**6:31**
